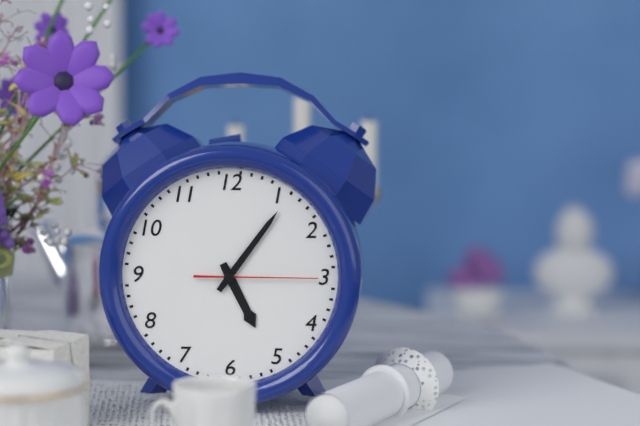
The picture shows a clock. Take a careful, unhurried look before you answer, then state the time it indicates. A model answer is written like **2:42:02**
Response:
**5:06:15**
